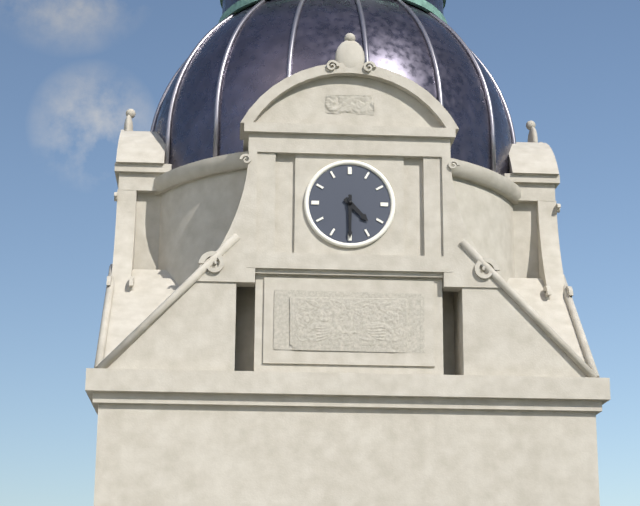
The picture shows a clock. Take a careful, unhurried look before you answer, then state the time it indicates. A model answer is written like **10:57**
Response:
**4:30**
